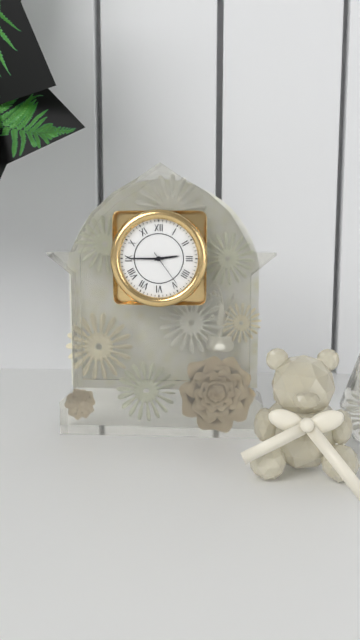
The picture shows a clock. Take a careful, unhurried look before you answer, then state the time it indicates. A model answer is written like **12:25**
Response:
**2:45**
